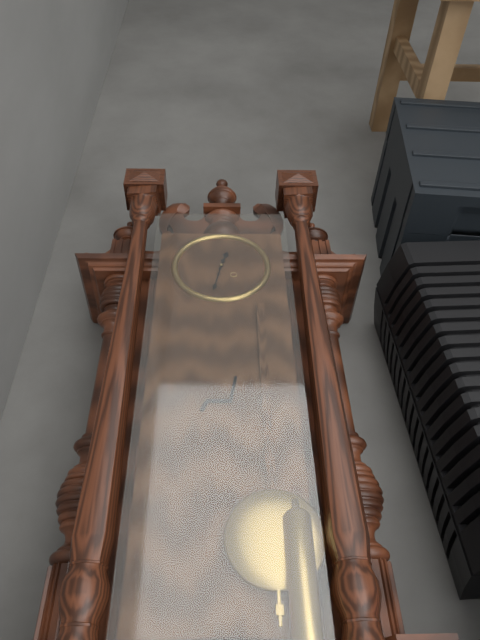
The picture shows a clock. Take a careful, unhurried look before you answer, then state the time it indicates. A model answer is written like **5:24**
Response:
**12:32**
